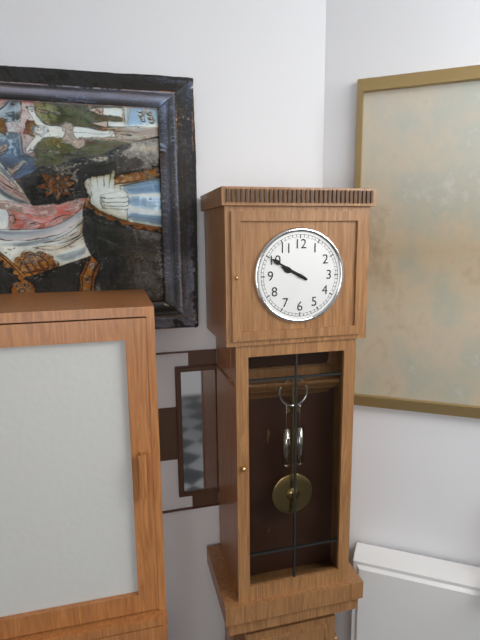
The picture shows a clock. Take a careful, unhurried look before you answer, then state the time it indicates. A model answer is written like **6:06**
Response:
**9:50**
